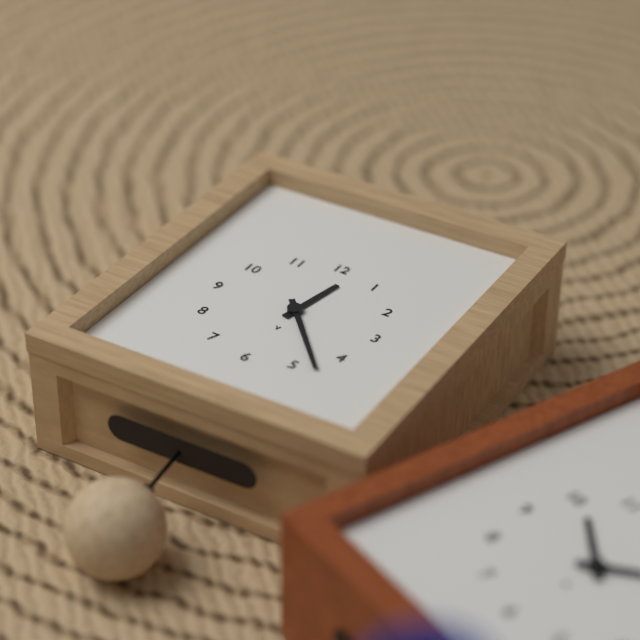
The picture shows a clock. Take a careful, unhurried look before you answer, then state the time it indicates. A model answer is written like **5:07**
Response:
**12:23**
